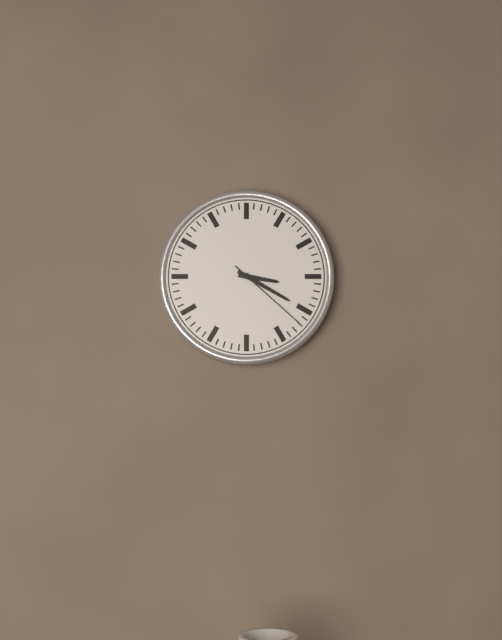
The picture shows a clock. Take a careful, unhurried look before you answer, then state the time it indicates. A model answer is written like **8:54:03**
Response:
**3:20:22**
